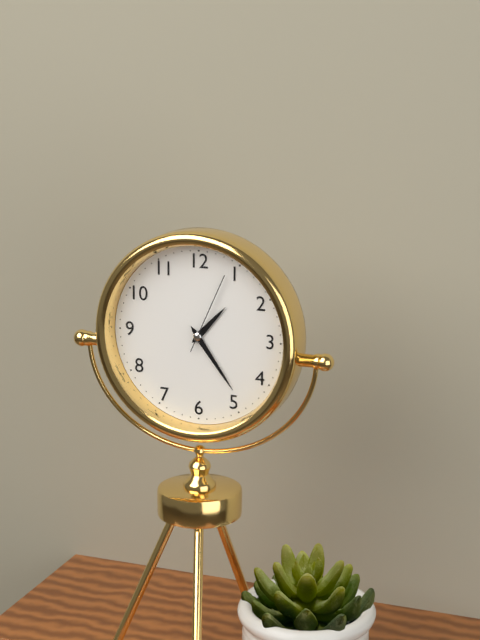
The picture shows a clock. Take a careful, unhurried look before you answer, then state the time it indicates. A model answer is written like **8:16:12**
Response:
**1:24:04**
